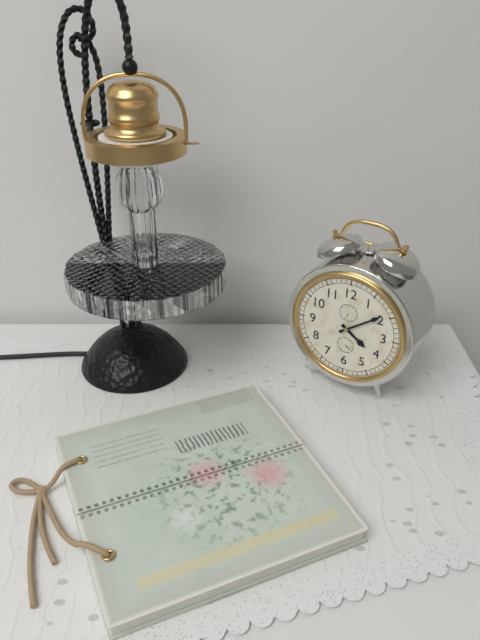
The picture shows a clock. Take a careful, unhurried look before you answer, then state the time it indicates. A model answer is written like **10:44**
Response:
**4:09**
